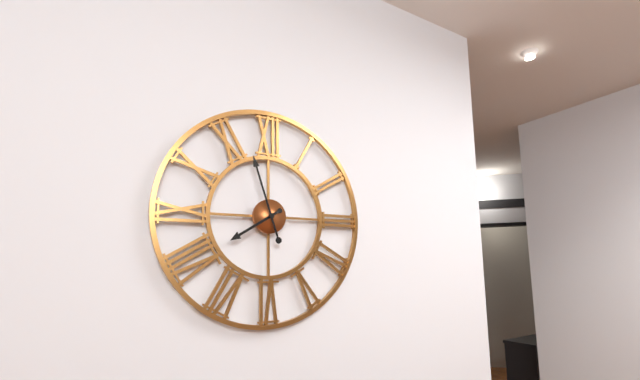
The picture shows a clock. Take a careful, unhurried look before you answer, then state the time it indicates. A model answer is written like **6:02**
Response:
**7:57**
